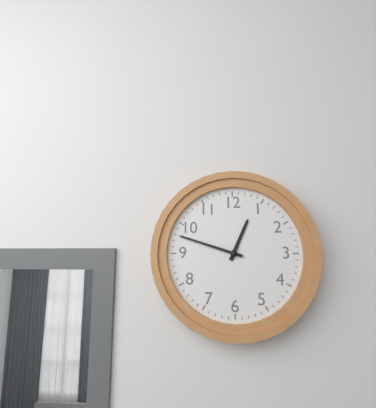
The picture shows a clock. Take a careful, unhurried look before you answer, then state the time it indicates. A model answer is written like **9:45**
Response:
**12:48**
